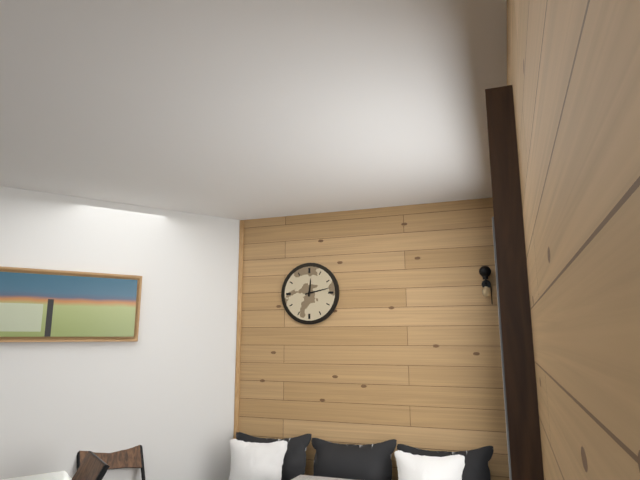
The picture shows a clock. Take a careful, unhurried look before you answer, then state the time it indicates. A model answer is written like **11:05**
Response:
**12:13**
